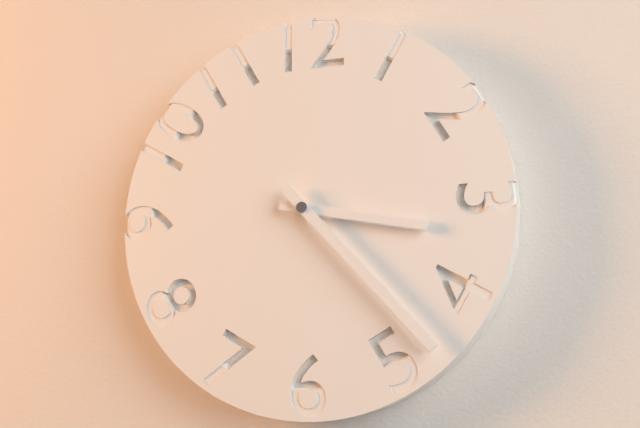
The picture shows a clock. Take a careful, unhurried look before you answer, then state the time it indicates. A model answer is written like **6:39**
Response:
**3:23**
